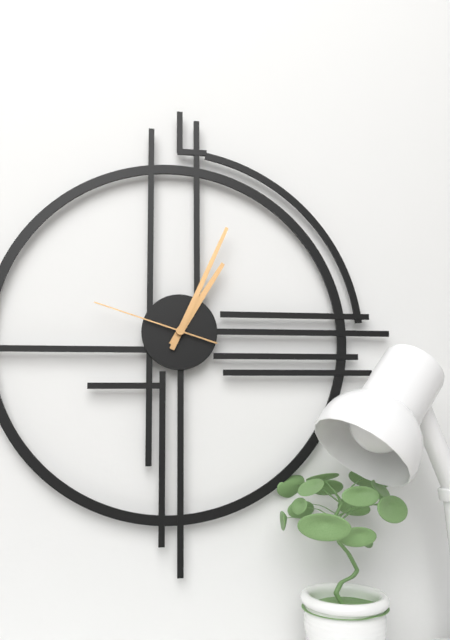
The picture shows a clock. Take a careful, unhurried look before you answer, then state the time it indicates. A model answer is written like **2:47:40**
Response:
**1:04:48**
